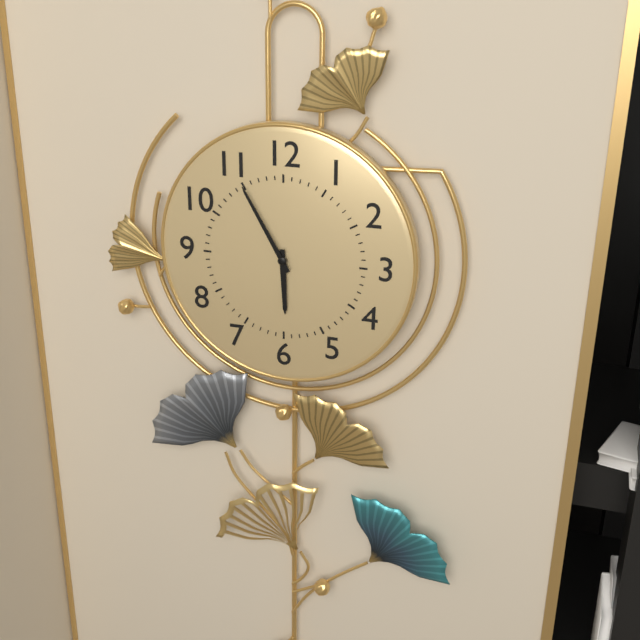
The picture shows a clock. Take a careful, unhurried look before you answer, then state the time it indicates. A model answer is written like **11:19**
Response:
**5:55**
